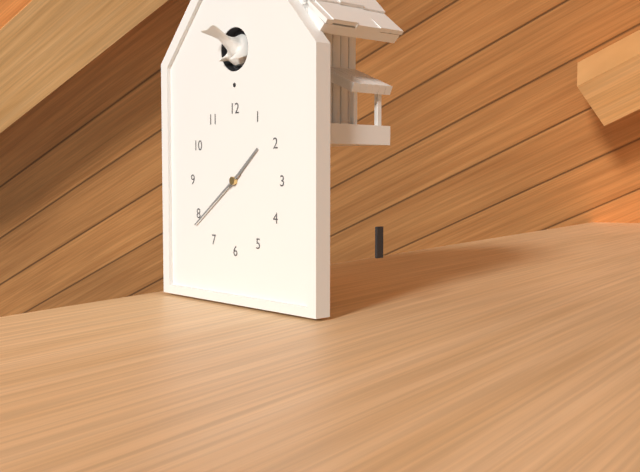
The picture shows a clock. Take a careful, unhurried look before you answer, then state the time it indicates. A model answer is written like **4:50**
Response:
**1:39**
